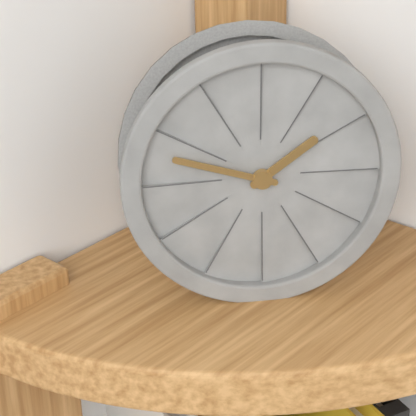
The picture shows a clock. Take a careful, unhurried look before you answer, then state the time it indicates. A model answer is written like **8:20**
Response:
**1:48**
